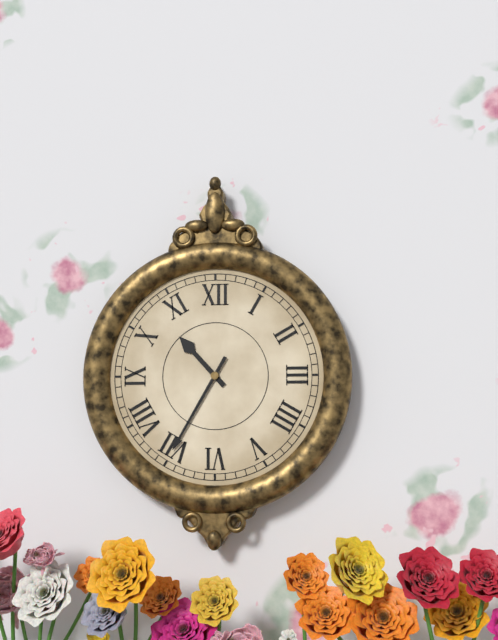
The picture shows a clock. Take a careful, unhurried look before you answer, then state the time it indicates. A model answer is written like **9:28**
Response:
**10:35**
